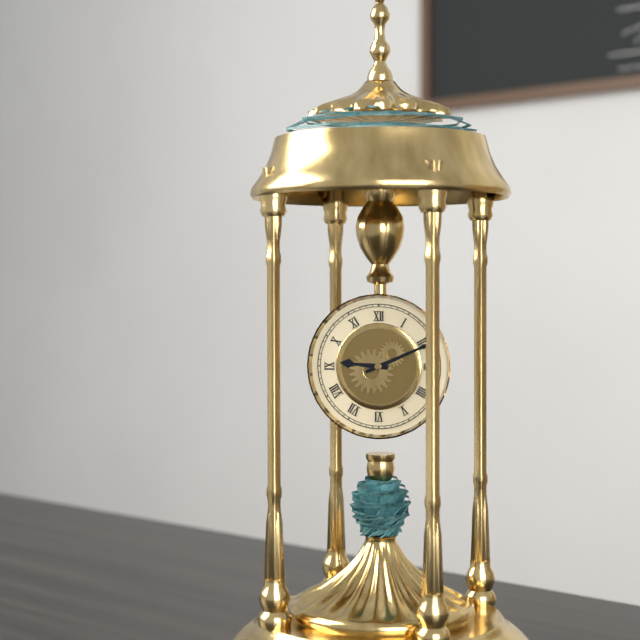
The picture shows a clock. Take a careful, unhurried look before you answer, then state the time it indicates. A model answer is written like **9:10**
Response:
**9:11**
